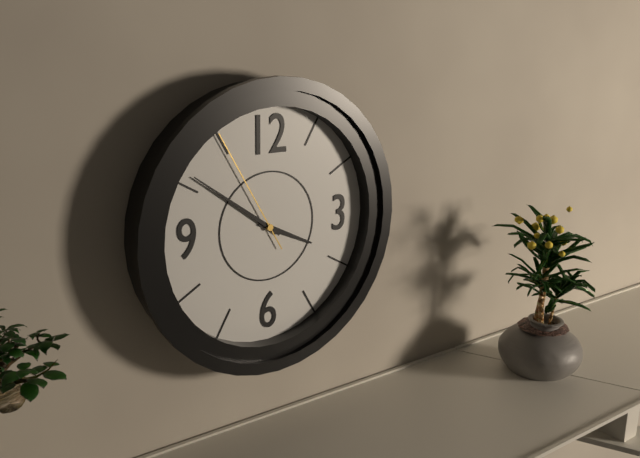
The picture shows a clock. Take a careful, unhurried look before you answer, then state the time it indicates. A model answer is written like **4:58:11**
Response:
**3:51:55**
